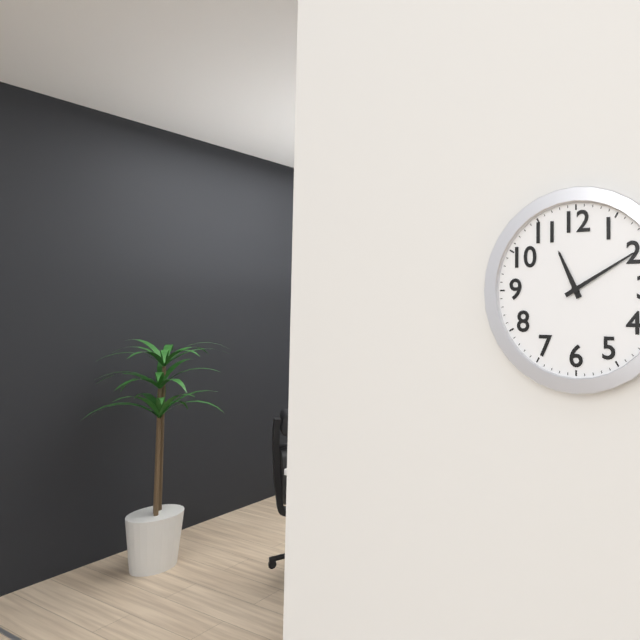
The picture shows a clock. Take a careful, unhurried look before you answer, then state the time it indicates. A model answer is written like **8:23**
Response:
**11:10**
